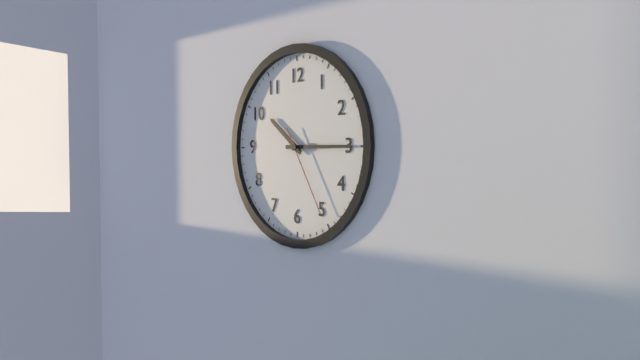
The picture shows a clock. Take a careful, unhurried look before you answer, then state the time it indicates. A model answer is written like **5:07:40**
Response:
**10:15:25**
